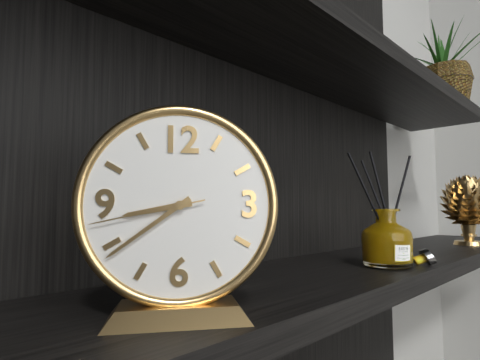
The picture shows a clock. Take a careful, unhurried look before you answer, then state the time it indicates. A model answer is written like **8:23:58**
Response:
**8:39:43**
